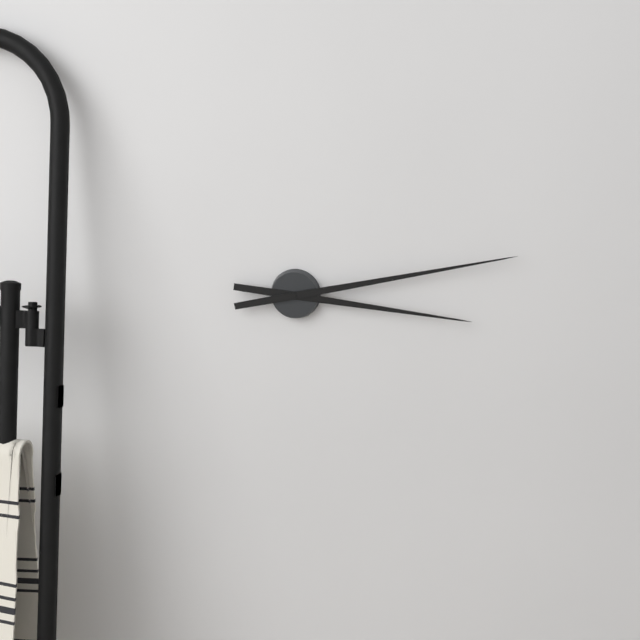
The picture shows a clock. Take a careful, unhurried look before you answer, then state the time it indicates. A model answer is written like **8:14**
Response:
**3:13**
